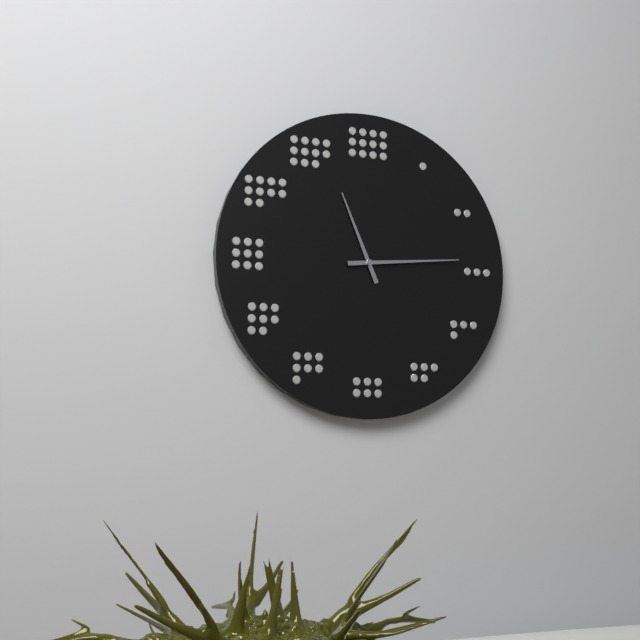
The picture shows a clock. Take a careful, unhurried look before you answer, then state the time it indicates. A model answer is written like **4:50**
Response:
**11:14**
